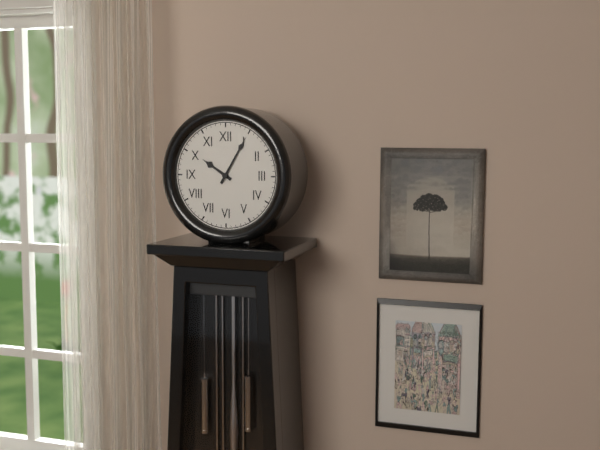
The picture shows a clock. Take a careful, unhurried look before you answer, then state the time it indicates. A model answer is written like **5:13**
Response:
**10:05**
